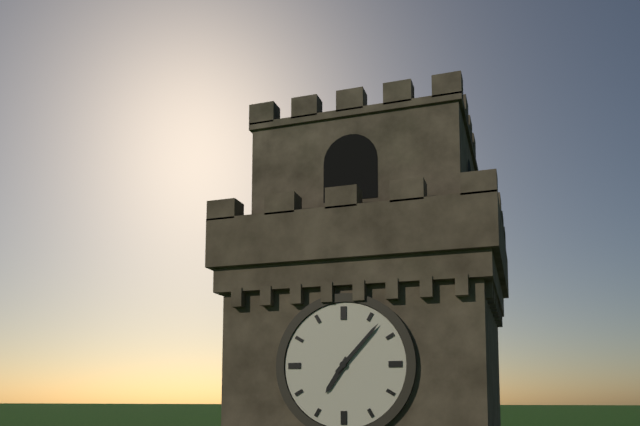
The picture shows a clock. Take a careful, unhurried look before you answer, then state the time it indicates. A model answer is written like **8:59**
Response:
**7:07**
